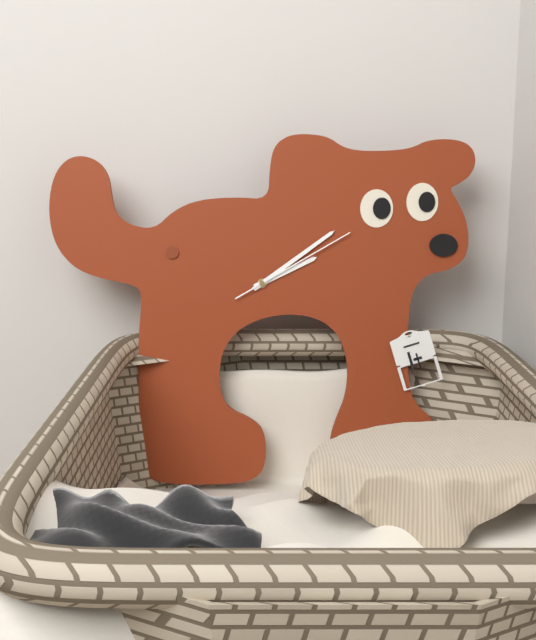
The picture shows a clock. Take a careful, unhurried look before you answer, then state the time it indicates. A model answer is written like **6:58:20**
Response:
**2:09:10**
